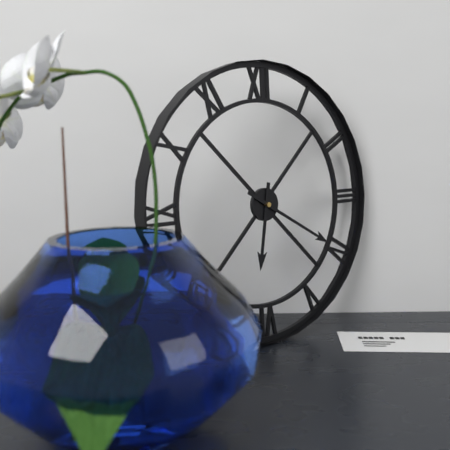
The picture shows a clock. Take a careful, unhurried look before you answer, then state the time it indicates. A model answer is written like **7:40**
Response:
**6:20**
